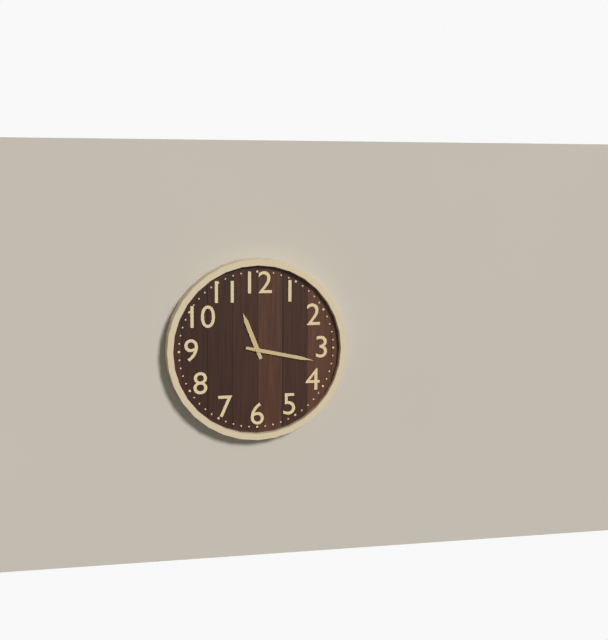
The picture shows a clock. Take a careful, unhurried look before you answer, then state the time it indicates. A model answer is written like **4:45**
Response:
**11:17**
